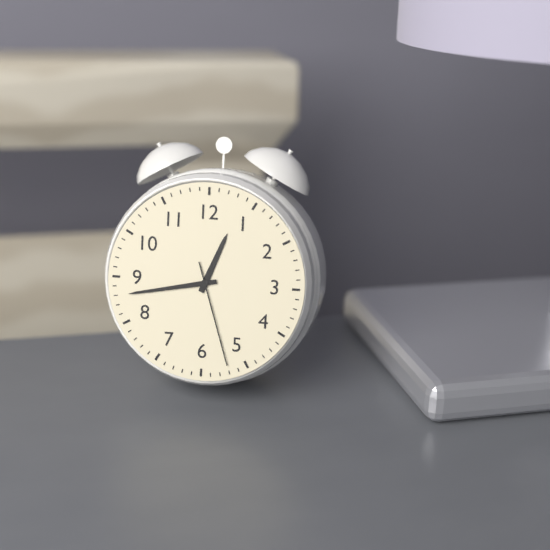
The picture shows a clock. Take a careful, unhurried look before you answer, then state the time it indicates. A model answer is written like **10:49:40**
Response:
**12:43:27**
